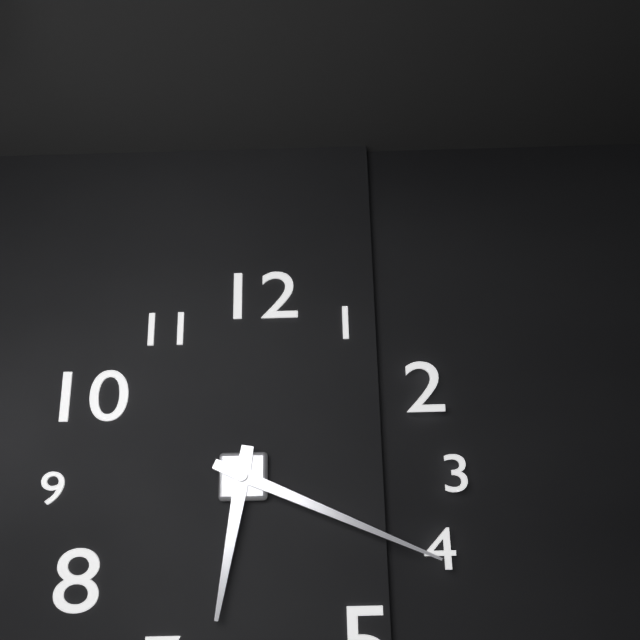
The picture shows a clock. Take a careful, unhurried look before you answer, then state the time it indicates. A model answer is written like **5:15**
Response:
**6:19**
